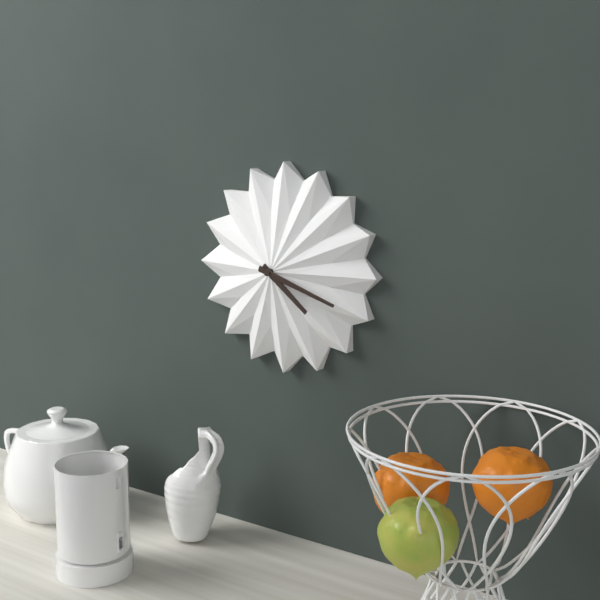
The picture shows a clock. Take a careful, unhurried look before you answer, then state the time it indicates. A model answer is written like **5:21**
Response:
**4:18**
